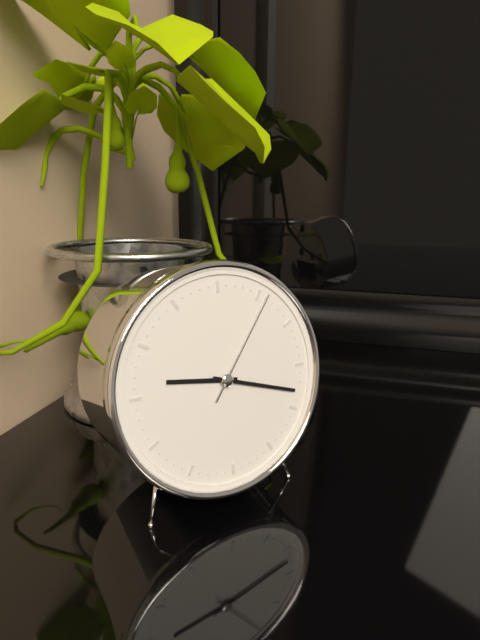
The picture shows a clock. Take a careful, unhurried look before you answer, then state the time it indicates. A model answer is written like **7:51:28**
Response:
**9:18:06**
